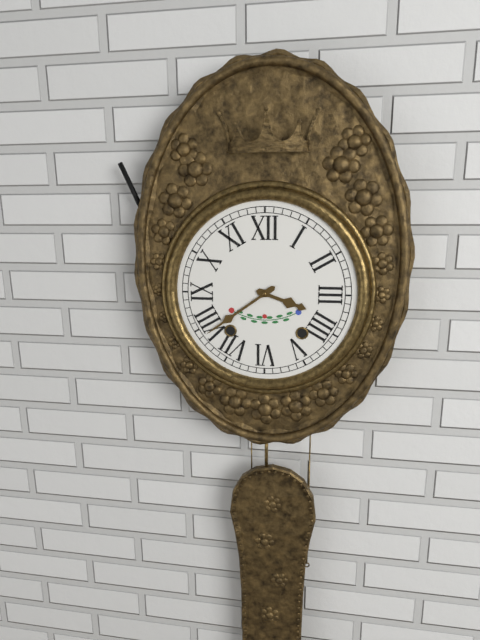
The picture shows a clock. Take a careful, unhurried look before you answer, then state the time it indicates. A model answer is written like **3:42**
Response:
**3:39**
